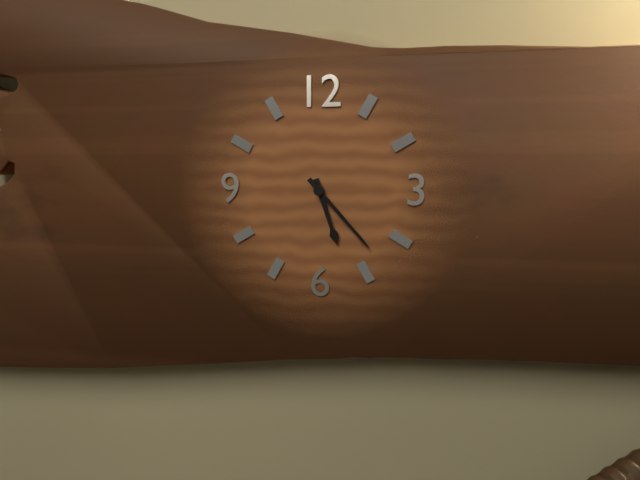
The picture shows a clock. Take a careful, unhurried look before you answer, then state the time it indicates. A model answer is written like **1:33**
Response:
**5:23**
